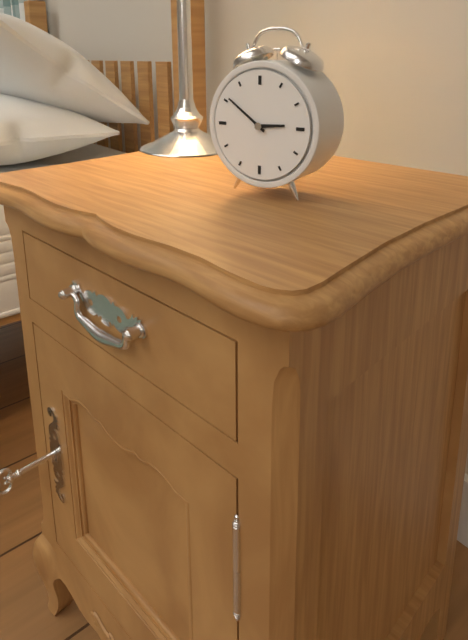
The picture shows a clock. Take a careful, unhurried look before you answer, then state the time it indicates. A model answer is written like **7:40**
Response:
**2:51**
